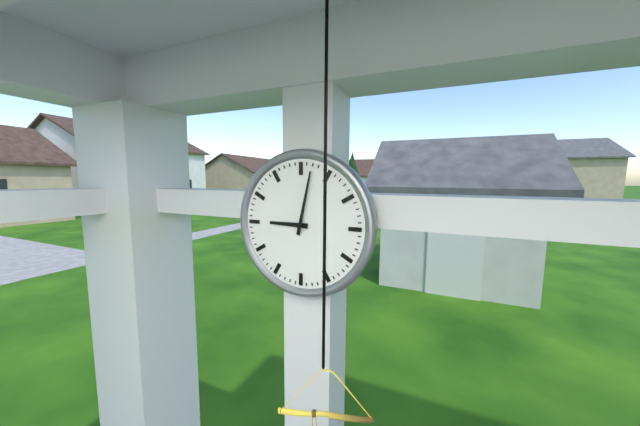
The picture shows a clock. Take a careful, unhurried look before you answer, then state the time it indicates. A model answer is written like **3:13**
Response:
**9:02**
